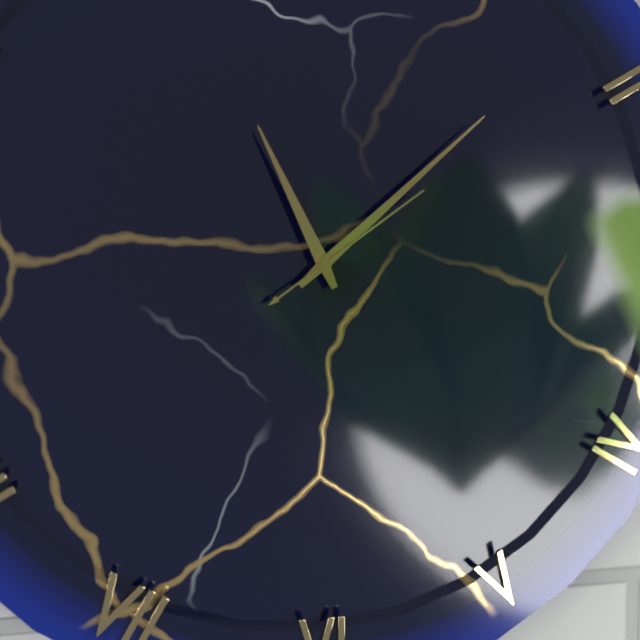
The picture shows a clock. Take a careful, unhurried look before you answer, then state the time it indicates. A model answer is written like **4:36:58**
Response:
**11:08:09**
